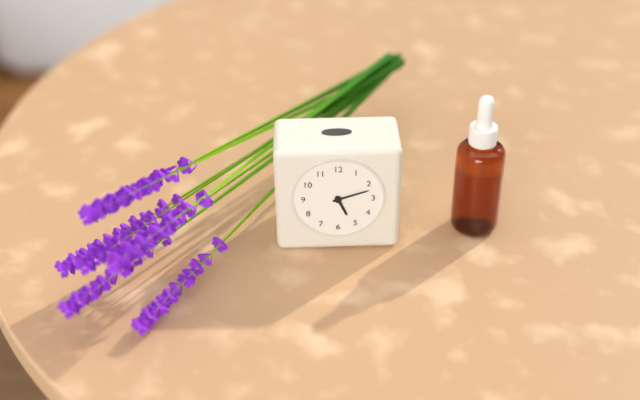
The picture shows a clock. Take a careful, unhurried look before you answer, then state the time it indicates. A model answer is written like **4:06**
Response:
**5:12**
